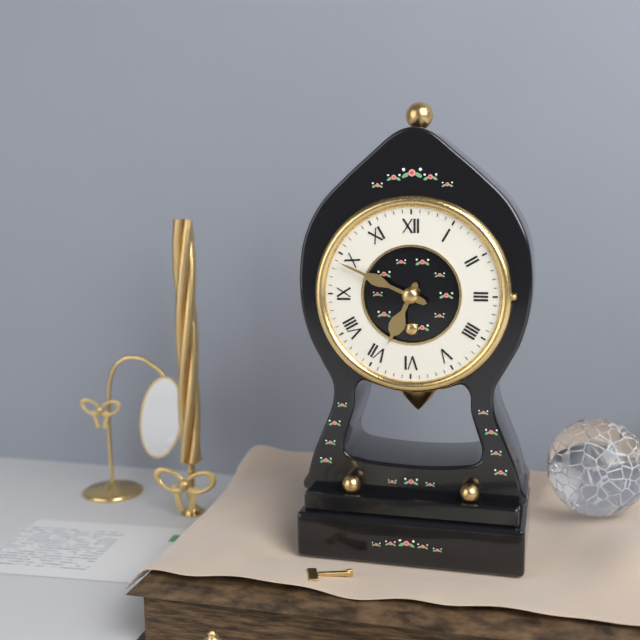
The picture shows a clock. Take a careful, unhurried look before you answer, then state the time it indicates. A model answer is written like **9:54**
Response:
**6:49**
